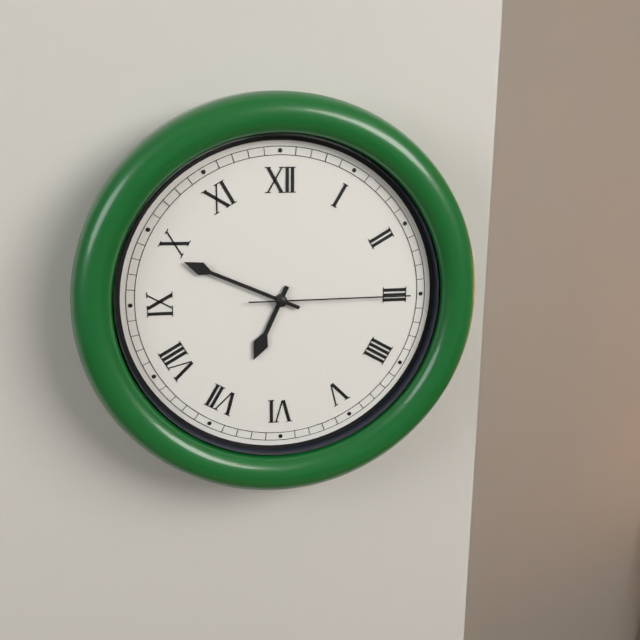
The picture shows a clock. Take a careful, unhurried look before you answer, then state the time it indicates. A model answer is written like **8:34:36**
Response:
**6:49:15**
